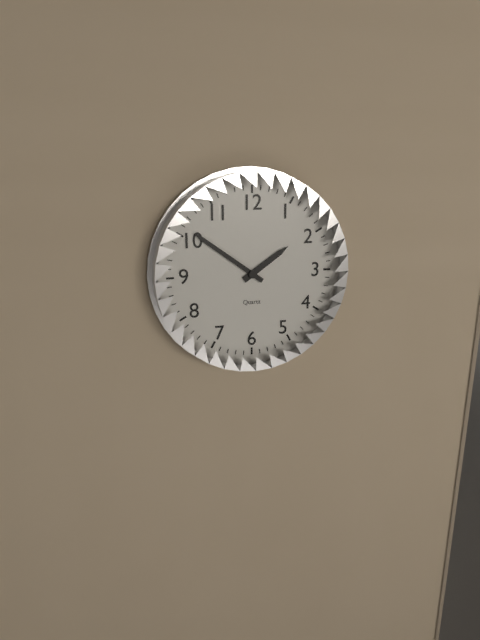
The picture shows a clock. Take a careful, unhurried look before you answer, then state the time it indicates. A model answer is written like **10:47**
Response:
**1:51**
